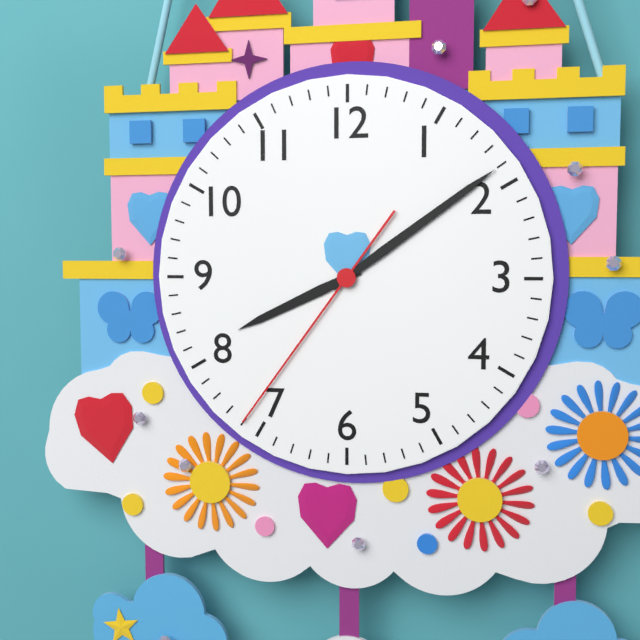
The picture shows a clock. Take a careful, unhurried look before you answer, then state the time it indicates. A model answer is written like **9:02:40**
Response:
**8:09:36**
